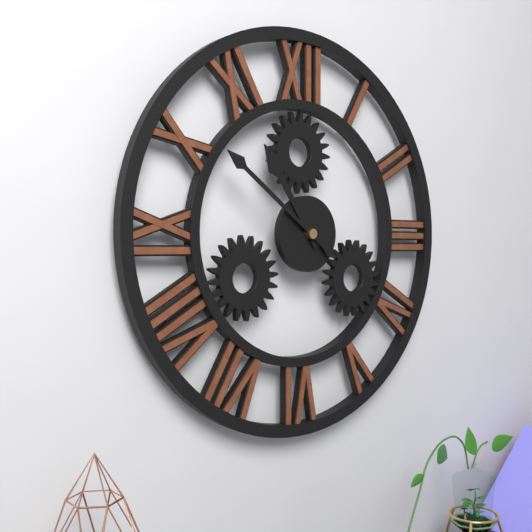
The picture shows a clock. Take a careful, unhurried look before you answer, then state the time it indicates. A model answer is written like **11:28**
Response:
**10:51**
